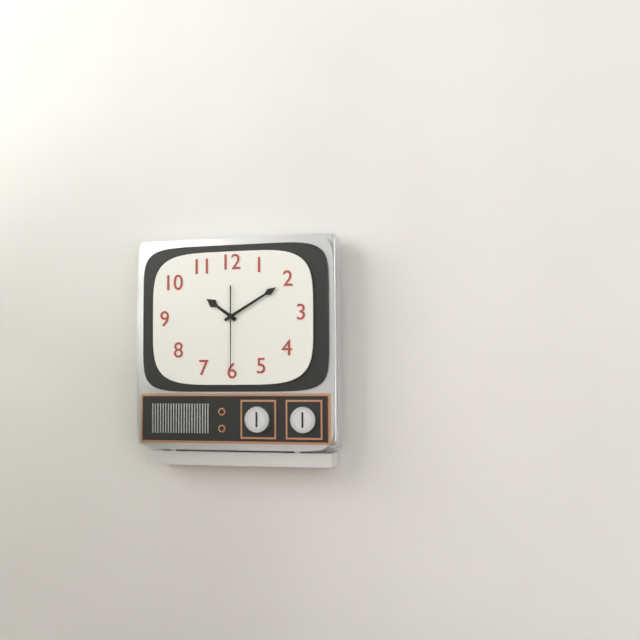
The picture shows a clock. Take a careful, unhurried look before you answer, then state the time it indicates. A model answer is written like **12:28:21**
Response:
**10:10:30**
